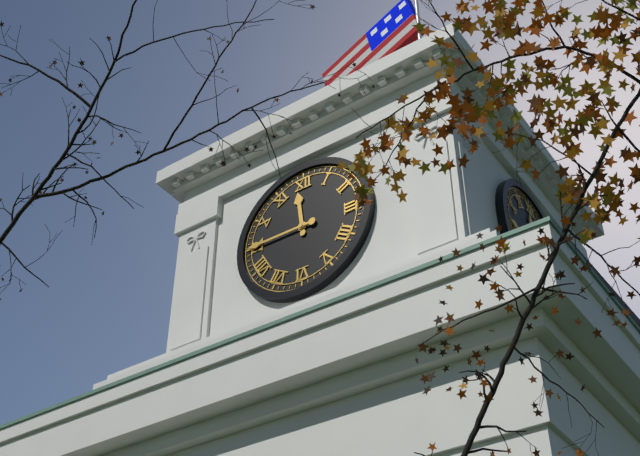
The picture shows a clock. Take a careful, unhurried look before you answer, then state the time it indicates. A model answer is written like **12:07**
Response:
**11:45**
